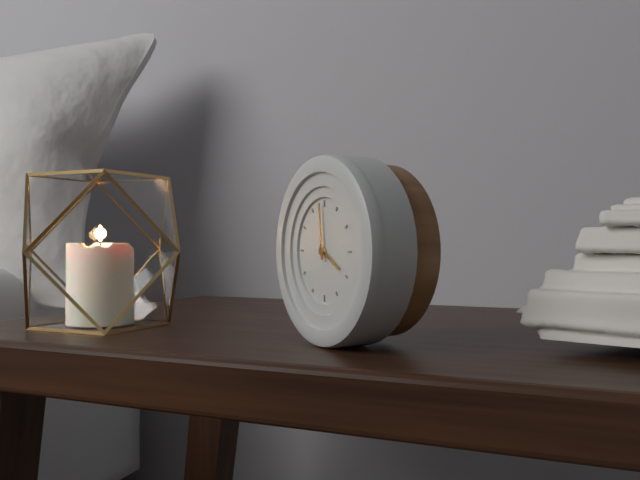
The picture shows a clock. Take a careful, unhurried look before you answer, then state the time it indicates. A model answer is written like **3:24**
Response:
**3:59**
